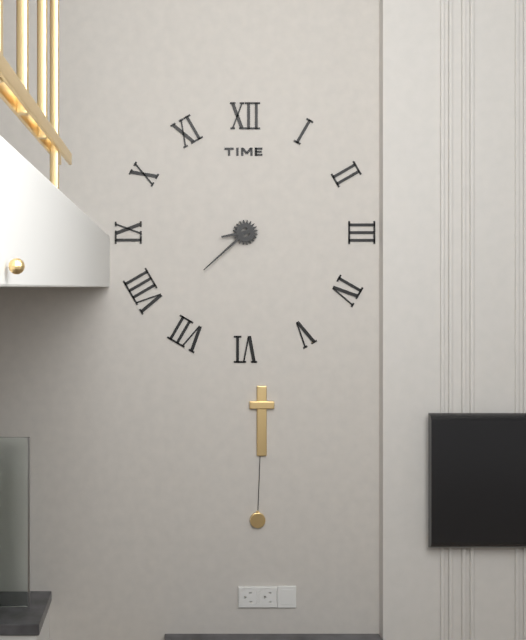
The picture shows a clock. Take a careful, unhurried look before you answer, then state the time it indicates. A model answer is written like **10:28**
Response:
**8:38**
